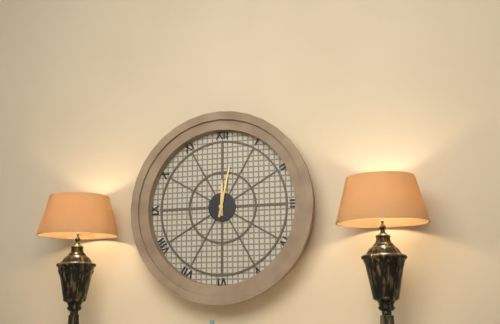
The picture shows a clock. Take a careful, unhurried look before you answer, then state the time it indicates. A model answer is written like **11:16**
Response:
**12:02**
